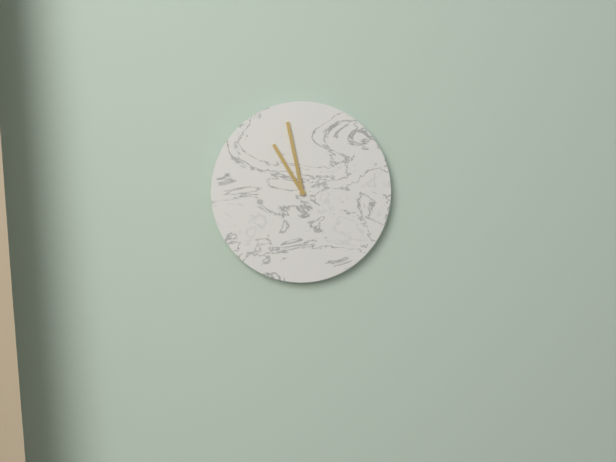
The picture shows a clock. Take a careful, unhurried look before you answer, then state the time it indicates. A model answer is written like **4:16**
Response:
**10:58**
